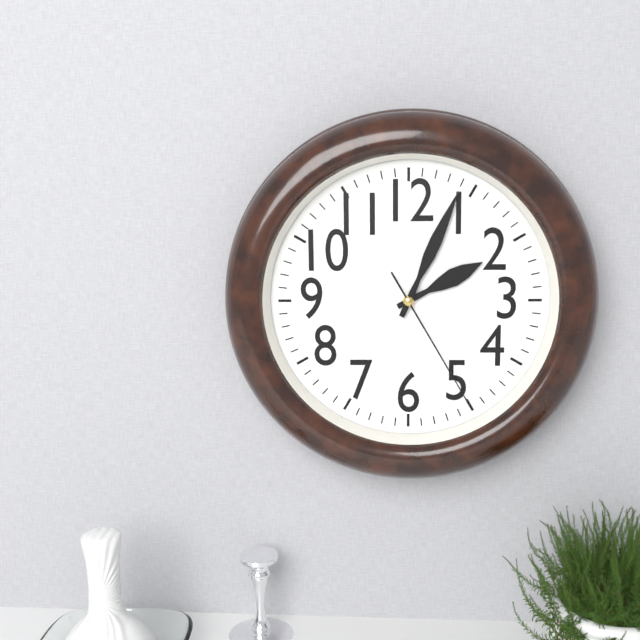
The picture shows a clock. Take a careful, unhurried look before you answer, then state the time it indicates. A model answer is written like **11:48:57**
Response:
**2:04:25**
